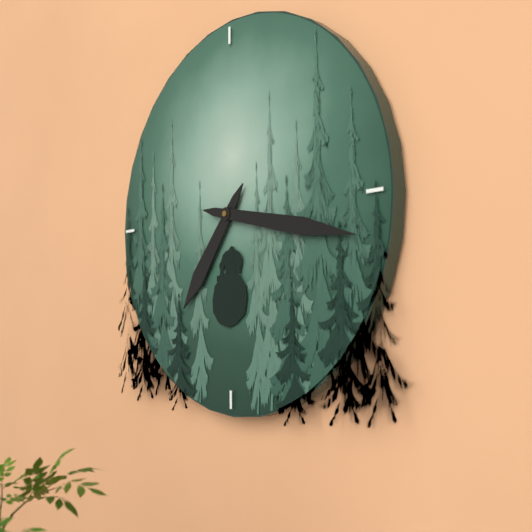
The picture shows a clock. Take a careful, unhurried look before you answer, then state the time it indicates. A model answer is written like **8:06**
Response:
**7:17**
